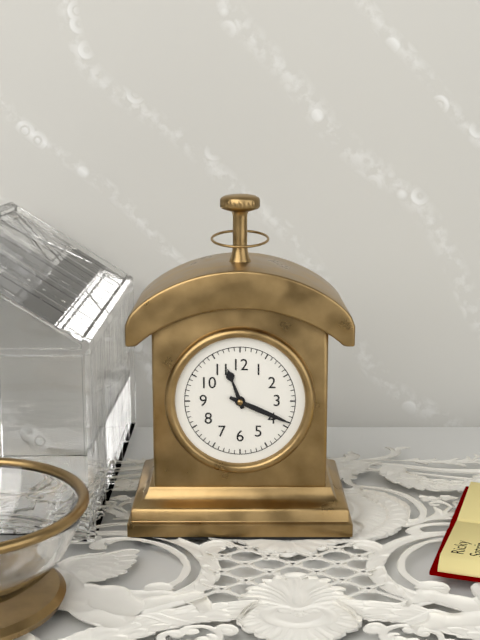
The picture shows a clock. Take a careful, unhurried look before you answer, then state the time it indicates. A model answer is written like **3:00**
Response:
**11:19**
